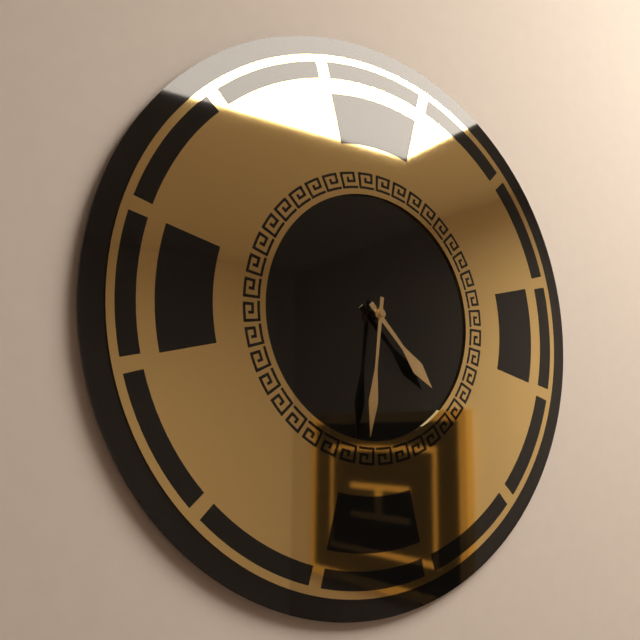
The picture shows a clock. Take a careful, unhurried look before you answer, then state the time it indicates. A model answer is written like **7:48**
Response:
**4:31**
